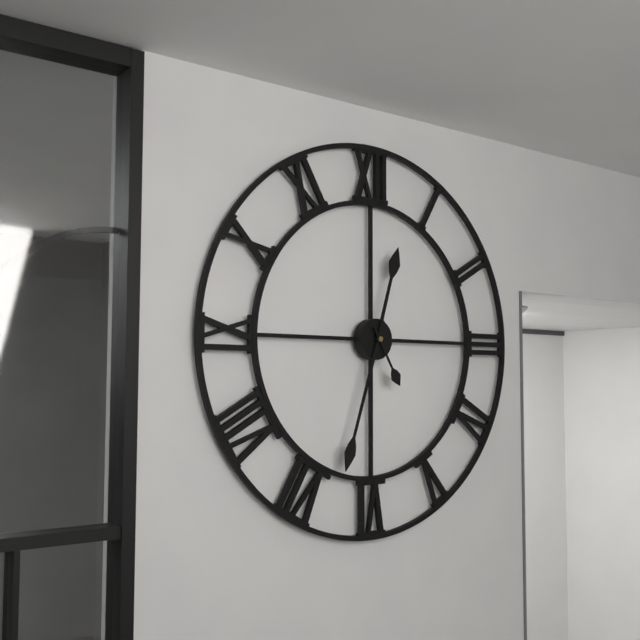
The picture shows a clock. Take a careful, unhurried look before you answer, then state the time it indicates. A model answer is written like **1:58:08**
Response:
**12:33:25**
